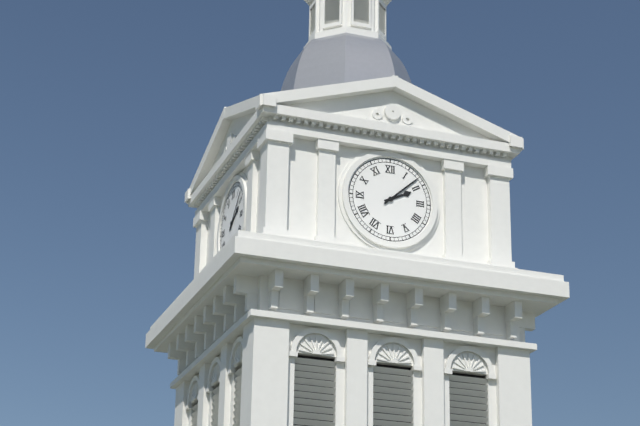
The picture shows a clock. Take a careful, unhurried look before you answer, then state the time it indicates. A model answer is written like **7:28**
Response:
**2:08**
